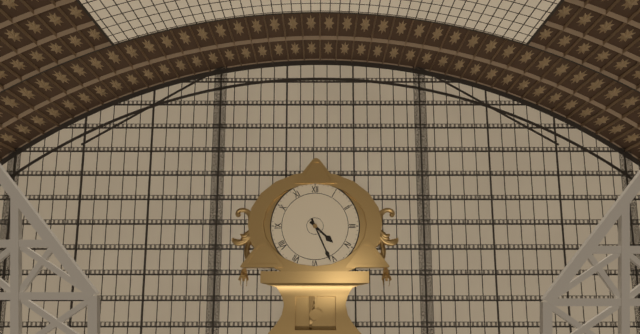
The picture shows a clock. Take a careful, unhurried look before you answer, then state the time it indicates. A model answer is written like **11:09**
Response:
**4:26**
